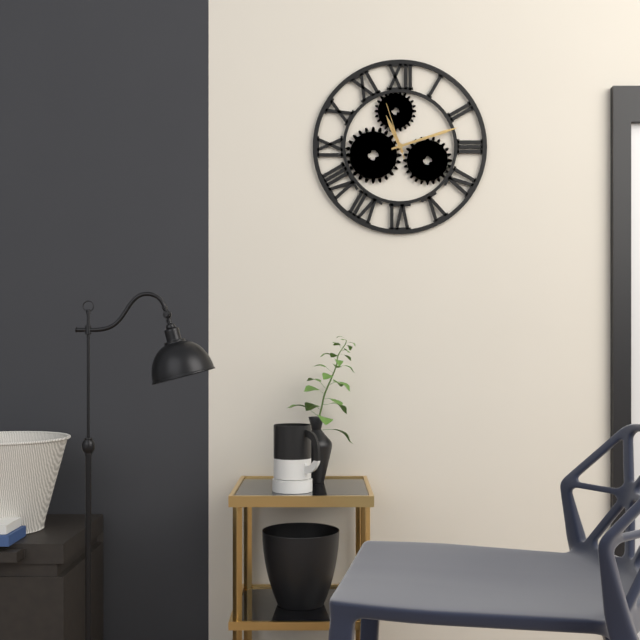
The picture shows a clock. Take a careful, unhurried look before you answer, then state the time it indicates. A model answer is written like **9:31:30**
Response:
**11:12:57**
